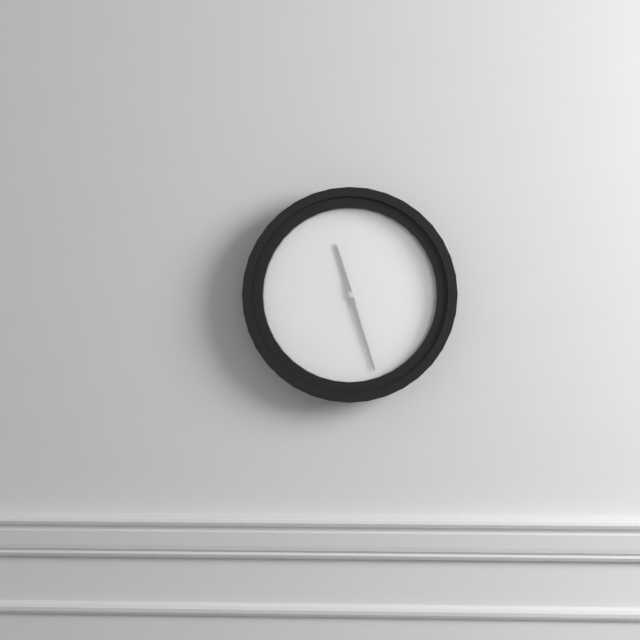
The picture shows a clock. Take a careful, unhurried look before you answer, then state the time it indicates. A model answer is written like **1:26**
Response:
**11:27**
